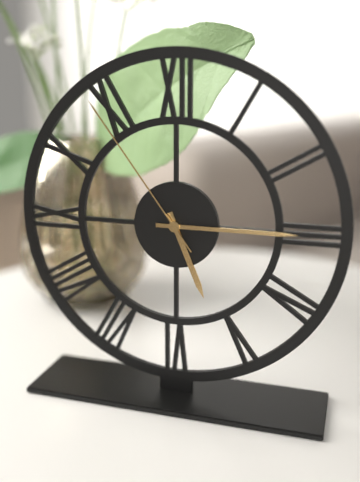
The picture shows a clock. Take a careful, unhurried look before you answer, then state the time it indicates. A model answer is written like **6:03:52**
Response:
**5:15:54**
